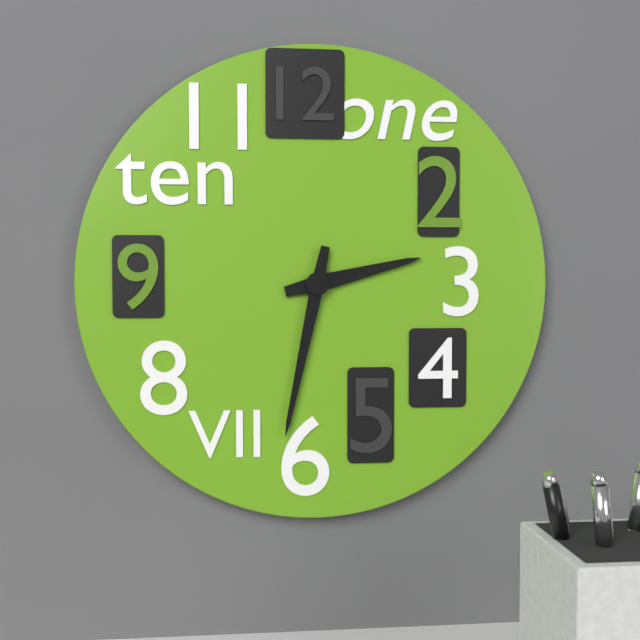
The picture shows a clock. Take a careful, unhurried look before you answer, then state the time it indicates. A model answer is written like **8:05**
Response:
**2:32**
